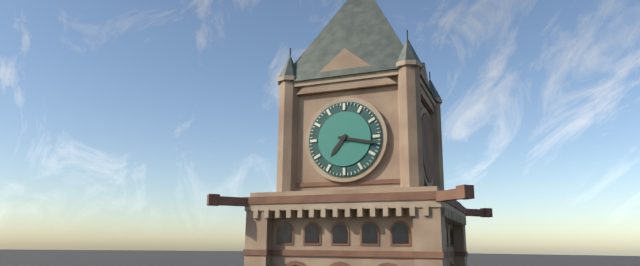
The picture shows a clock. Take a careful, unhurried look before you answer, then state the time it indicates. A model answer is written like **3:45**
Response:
**7:17**
